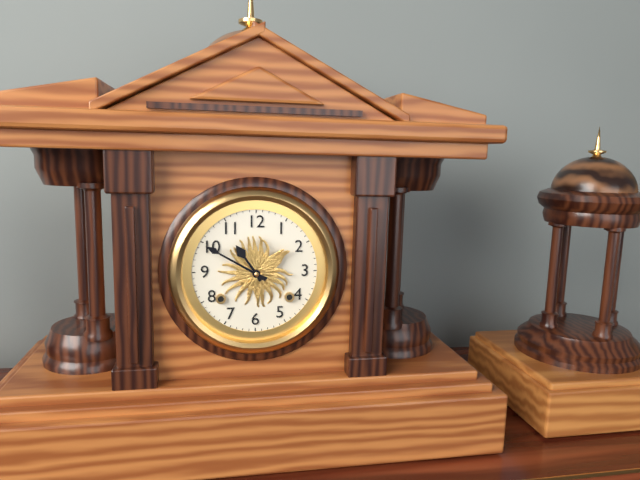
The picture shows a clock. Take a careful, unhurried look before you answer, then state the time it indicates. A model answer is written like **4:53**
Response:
**10:50**
